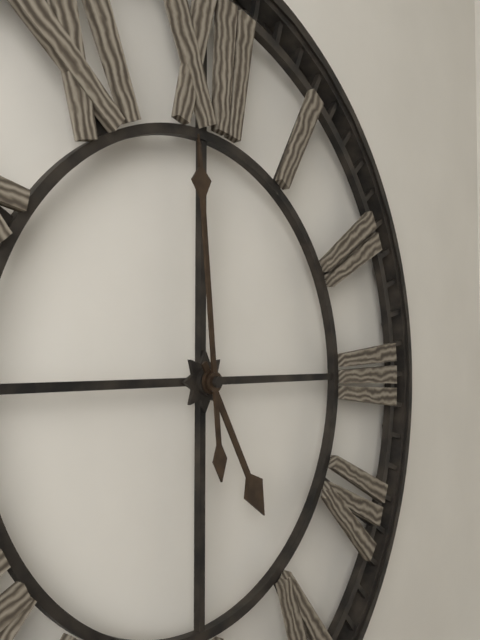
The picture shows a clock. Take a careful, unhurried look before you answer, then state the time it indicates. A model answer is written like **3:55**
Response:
**4:59**
